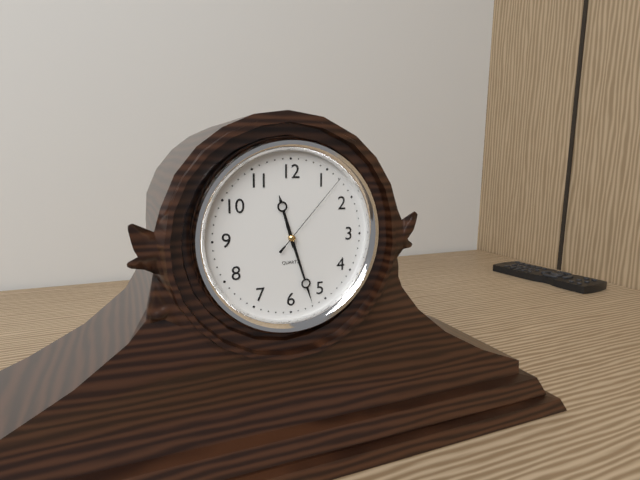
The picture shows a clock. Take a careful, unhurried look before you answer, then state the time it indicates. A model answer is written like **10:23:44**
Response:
**11:27:07**
